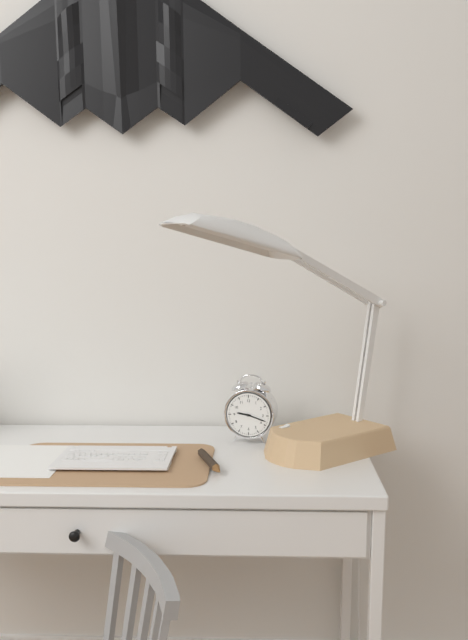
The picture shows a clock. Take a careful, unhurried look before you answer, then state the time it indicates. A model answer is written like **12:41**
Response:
**9:18**
